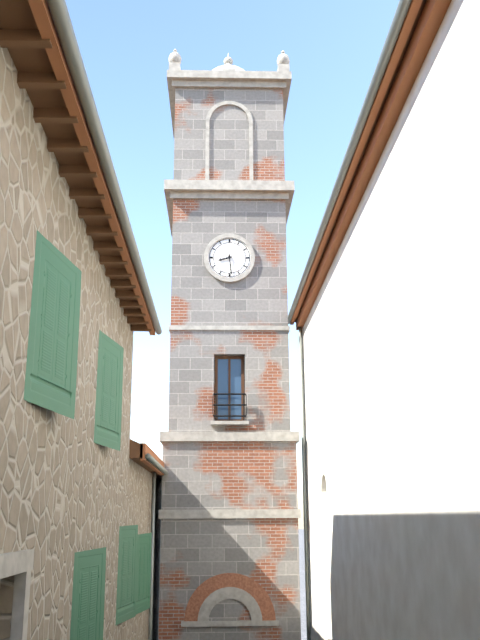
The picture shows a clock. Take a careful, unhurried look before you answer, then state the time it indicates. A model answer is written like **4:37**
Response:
**8:29**
